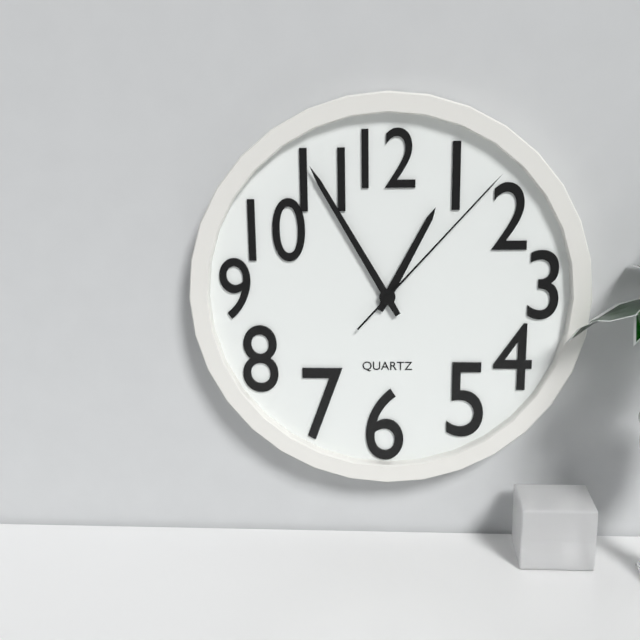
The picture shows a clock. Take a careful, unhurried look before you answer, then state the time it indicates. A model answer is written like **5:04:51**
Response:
**12:55:07**
